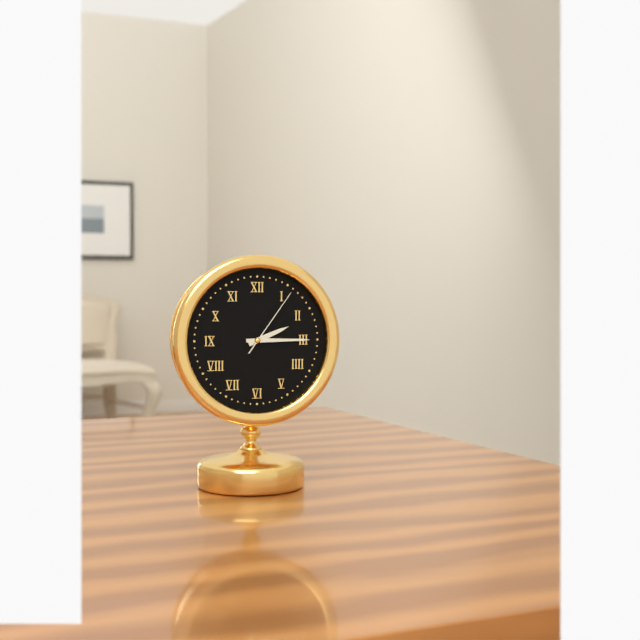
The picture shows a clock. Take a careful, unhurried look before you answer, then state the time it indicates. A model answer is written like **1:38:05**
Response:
**2:15:06**
